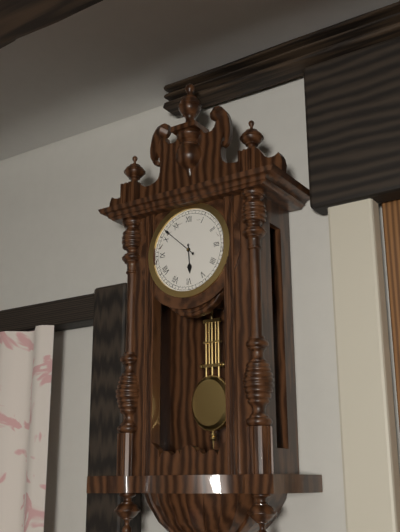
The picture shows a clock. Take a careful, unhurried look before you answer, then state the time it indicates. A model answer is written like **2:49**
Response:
**5:52**
